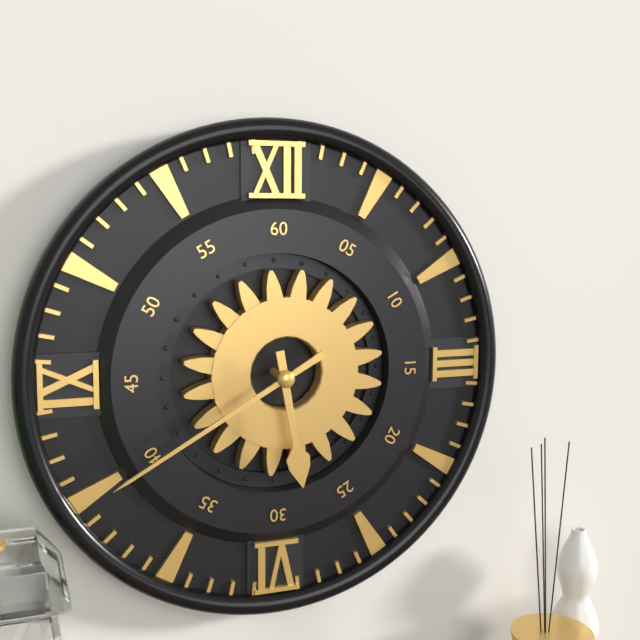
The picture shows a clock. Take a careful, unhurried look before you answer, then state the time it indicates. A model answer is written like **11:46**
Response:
**5:40**
